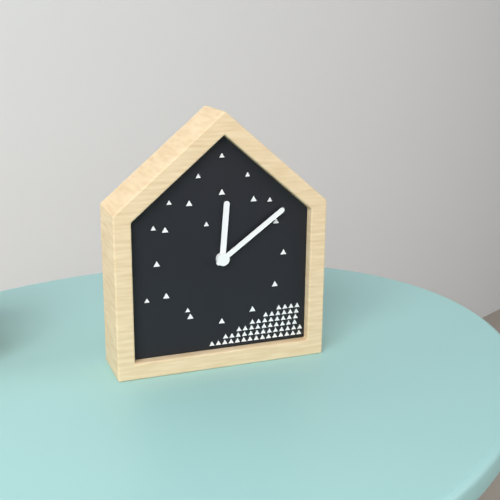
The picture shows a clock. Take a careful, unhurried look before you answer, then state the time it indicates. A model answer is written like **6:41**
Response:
**12:09**
